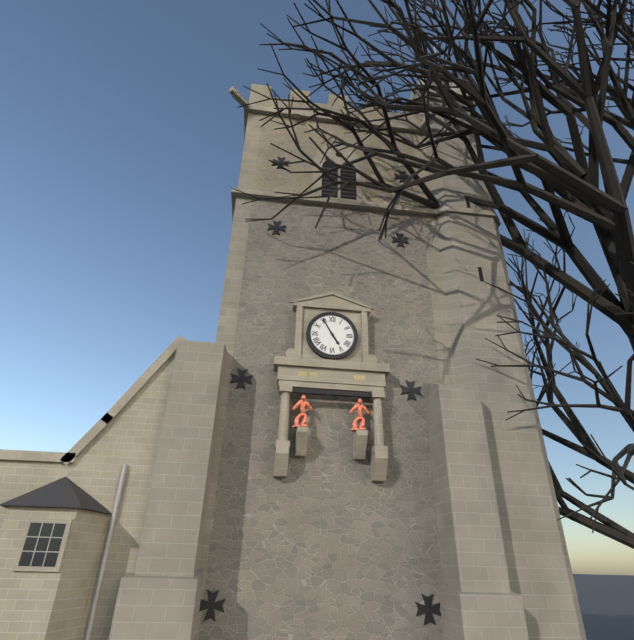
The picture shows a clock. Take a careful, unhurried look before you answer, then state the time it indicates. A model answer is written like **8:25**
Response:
**4:55**
